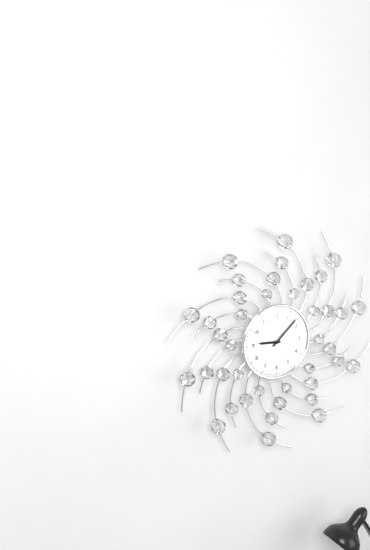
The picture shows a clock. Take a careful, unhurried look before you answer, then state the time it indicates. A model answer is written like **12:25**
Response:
**9:08**
